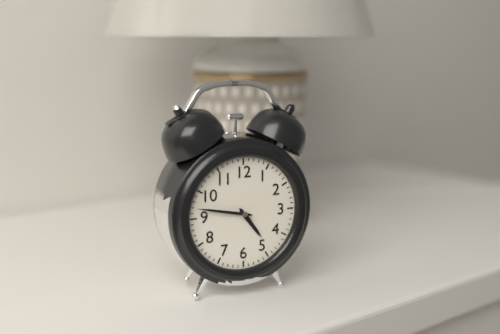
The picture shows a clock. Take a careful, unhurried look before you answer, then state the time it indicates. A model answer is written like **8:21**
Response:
**4:47**
